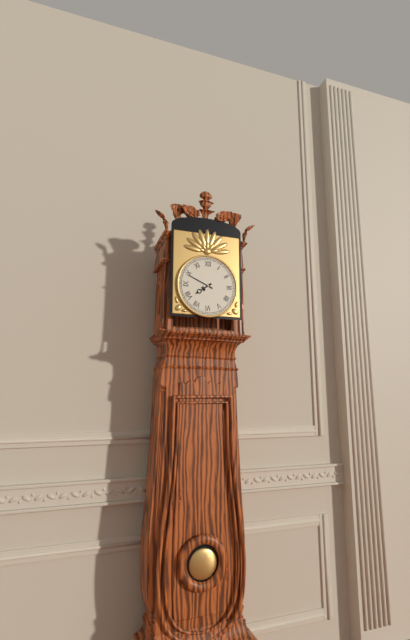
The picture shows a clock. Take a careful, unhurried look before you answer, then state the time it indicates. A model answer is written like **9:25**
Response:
**7:49**
